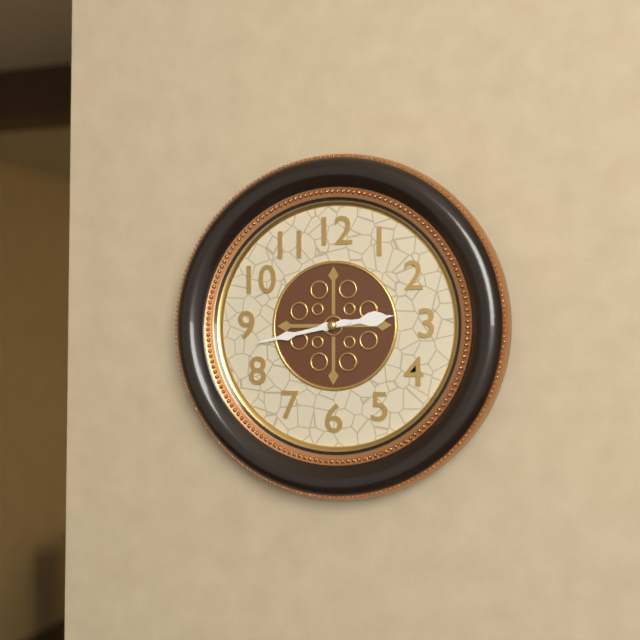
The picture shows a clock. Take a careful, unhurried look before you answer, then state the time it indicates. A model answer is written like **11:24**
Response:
**2:43**
